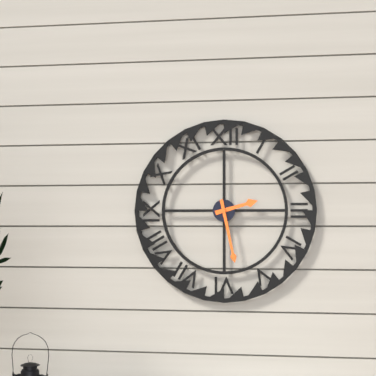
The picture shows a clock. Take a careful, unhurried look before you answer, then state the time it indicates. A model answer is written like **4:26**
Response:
**2:28**
